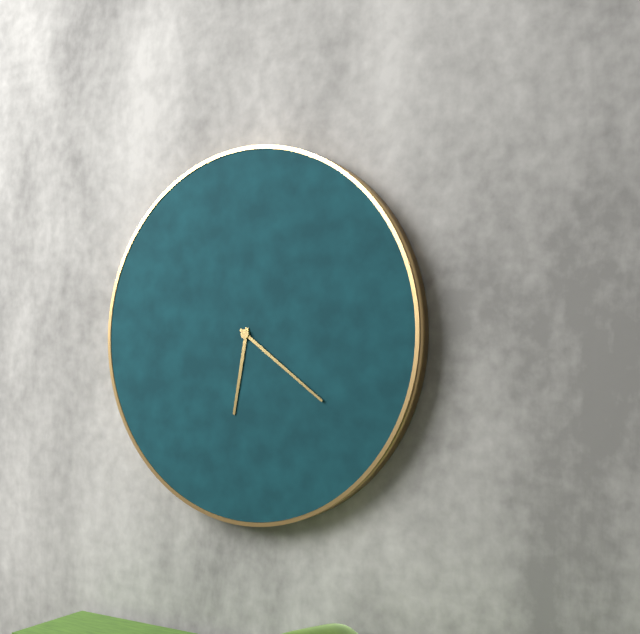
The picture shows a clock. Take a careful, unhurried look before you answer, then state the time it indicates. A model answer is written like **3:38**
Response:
**6:21**
